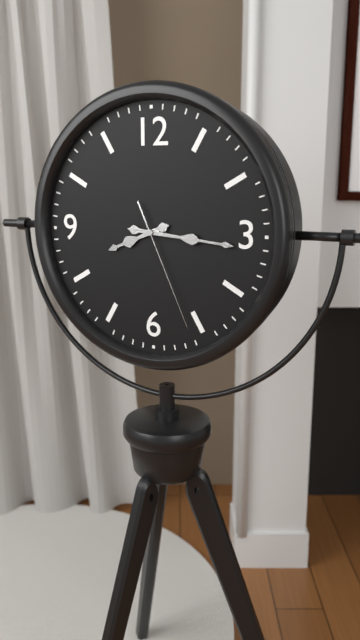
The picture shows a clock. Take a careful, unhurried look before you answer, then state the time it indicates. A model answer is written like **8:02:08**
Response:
**8:16:26**
